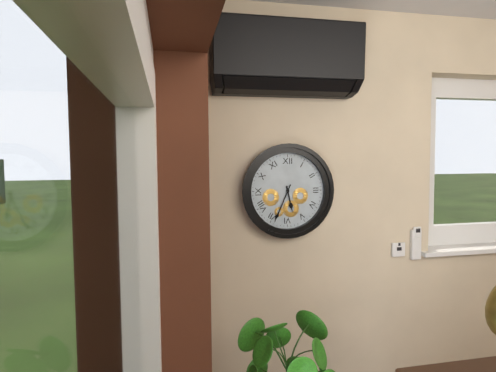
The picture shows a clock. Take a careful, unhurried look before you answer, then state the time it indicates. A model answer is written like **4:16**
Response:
**5:34**
